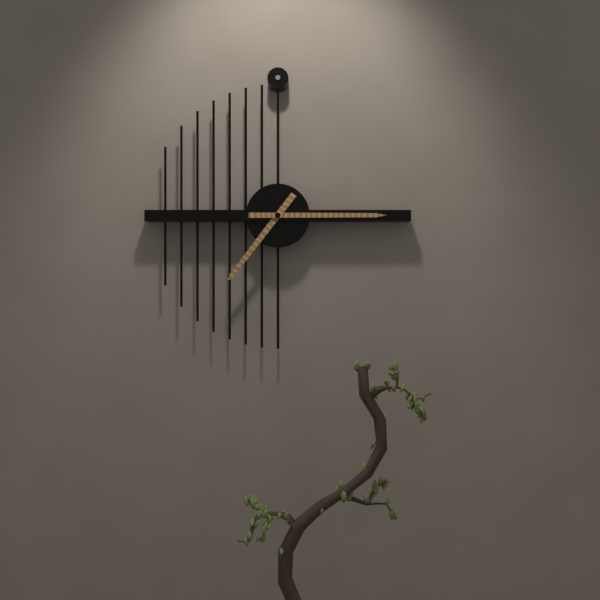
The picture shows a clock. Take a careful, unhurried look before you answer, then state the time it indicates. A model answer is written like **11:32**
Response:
**7:15**
